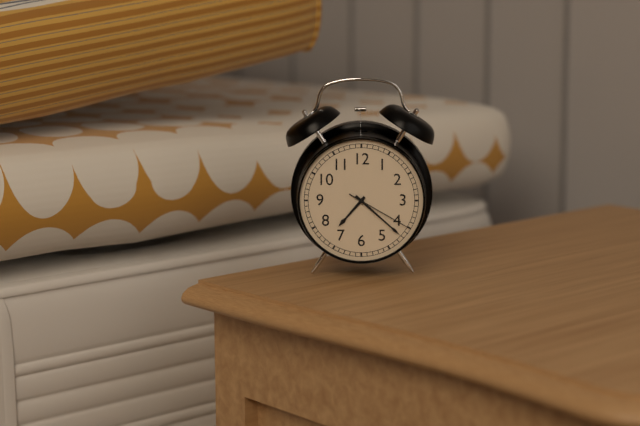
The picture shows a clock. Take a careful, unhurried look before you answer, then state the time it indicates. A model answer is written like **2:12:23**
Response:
**7:22:20**
